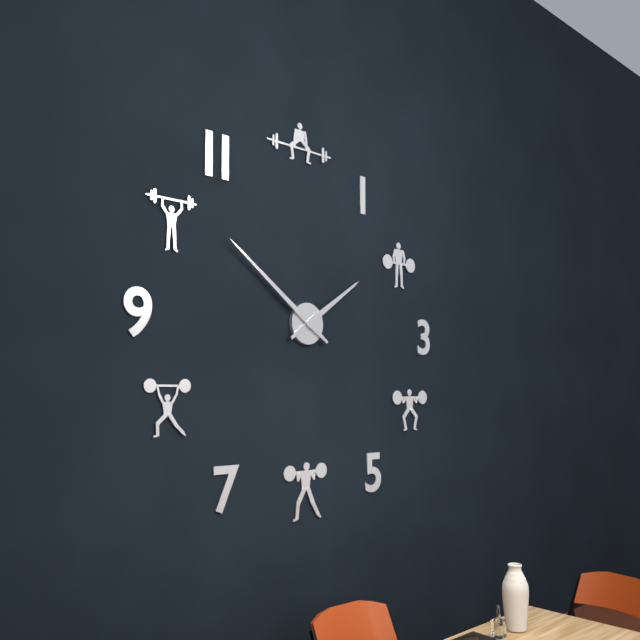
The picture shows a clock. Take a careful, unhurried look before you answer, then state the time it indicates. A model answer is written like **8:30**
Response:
**1:51**
